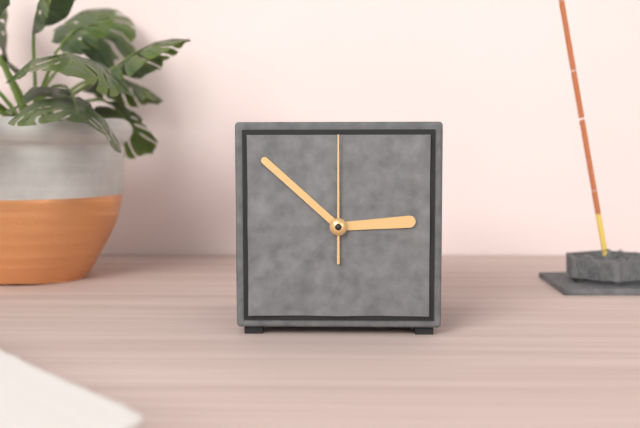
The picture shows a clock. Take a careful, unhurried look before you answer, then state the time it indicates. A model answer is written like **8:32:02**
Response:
**2:52:00**
